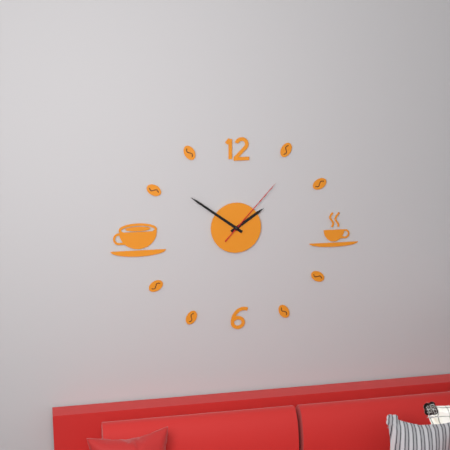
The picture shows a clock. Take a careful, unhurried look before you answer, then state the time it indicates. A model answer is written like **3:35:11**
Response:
**1:51:07**
